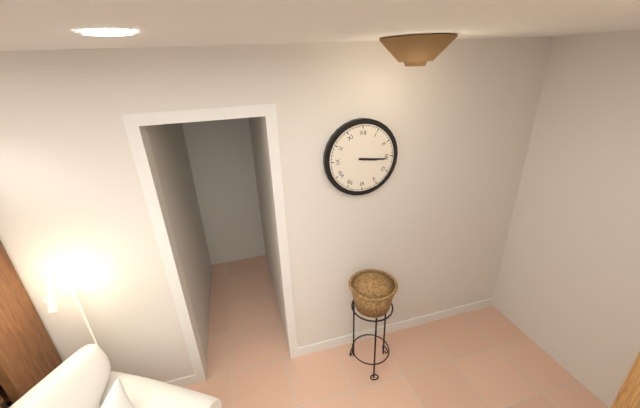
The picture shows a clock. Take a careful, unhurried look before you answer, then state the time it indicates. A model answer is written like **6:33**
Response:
**3:16**
